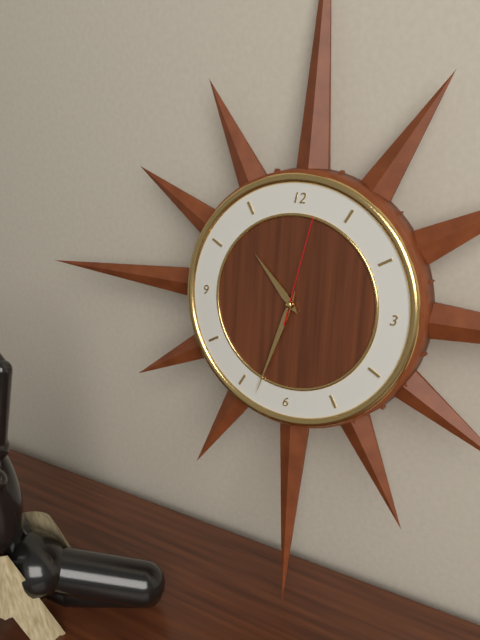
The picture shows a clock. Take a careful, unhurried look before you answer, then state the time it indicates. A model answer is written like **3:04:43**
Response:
**10:33:02**
